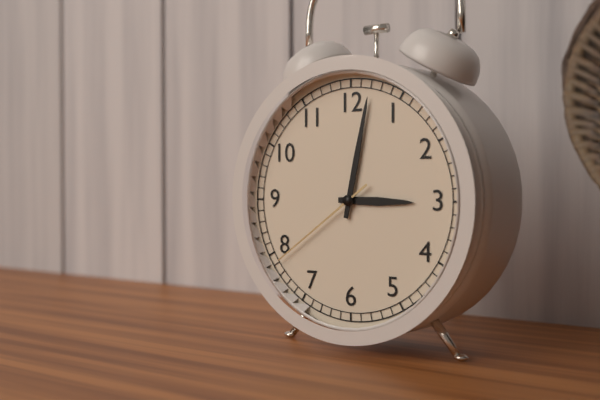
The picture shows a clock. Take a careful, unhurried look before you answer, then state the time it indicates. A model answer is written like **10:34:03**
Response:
**3:02:39**
